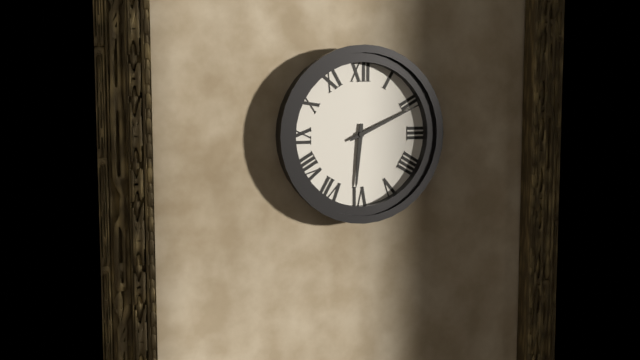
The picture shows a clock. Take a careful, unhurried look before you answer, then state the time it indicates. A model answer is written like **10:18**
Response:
**6:11**
